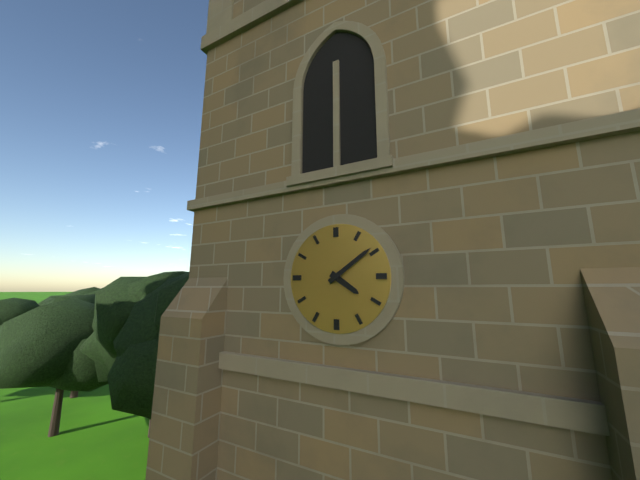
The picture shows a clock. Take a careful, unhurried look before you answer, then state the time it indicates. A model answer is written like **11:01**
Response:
**4:09**
